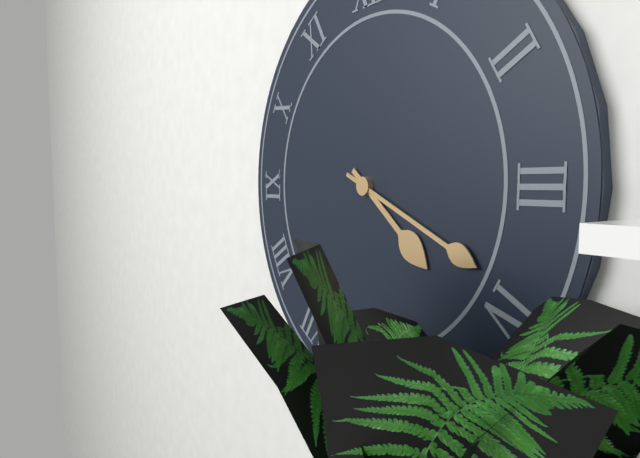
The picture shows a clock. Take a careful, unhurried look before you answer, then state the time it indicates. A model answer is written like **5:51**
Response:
**4:19**
